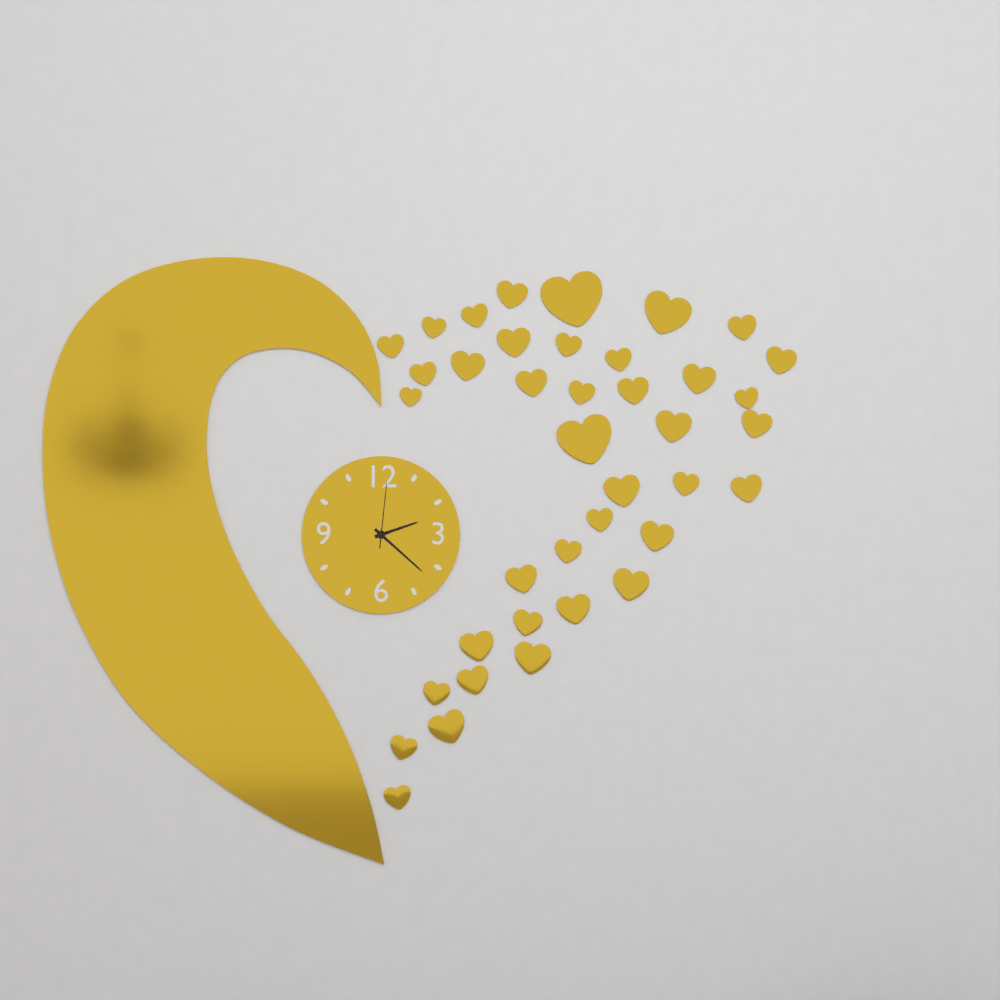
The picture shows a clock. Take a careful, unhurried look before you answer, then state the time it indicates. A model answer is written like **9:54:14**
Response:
**2:22:01**
